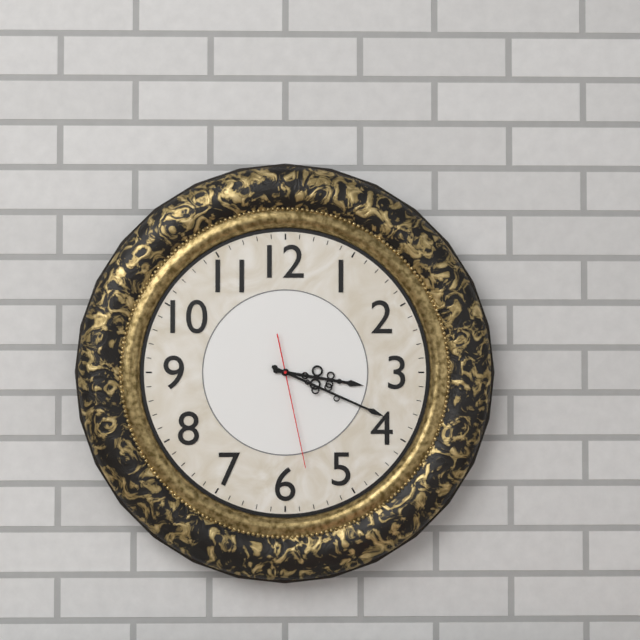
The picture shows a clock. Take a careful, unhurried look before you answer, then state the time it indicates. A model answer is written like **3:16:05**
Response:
**3:19:28**
